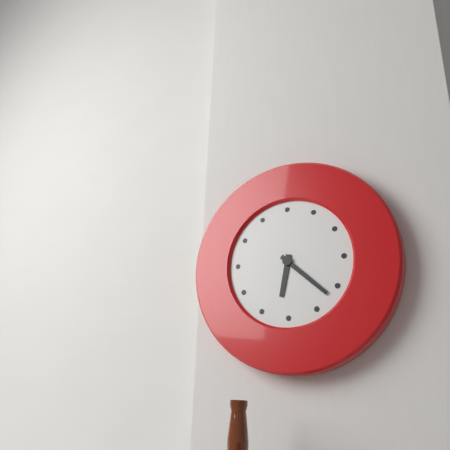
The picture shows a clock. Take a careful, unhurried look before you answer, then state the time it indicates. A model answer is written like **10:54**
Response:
**6:22**
